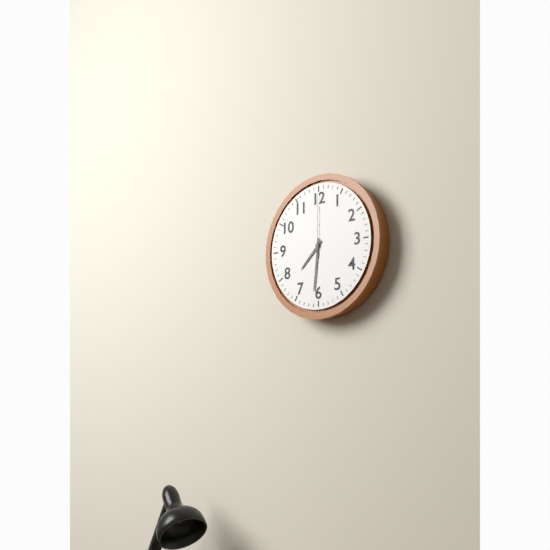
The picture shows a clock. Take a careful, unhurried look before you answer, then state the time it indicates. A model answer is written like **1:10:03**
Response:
**7:31:00**
